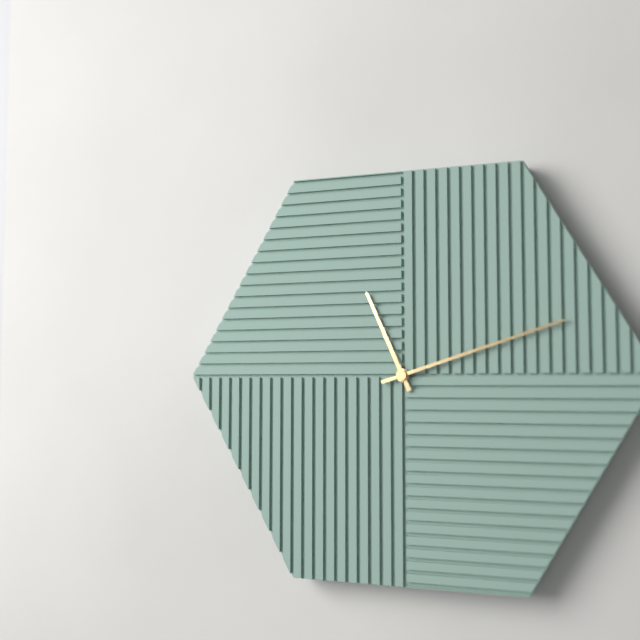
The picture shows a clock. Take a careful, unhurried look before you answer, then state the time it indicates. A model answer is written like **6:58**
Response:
**11:12**
